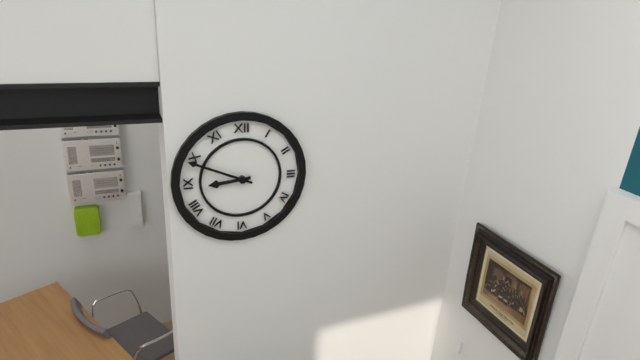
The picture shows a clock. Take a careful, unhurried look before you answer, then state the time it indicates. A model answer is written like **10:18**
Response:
**8:49**
